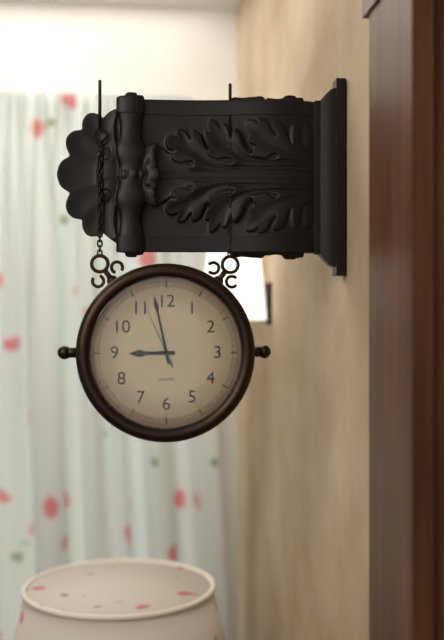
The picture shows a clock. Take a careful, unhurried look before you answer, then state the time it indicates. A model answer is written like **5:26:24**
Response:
**8:58:56**
